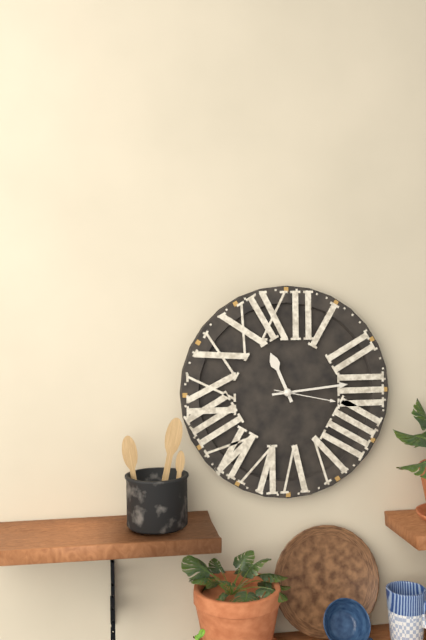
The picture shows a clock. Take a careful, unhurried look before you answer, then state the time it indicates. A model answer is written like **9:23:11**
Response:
**11:14:17**
